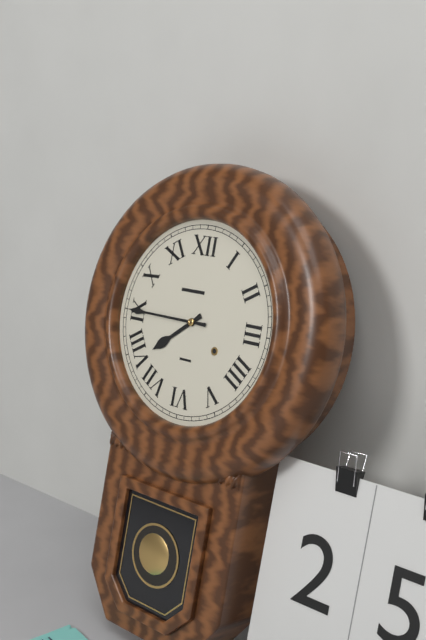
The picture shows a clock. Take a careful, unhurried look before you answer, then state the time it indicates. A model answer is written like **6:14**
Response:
**7:45**
